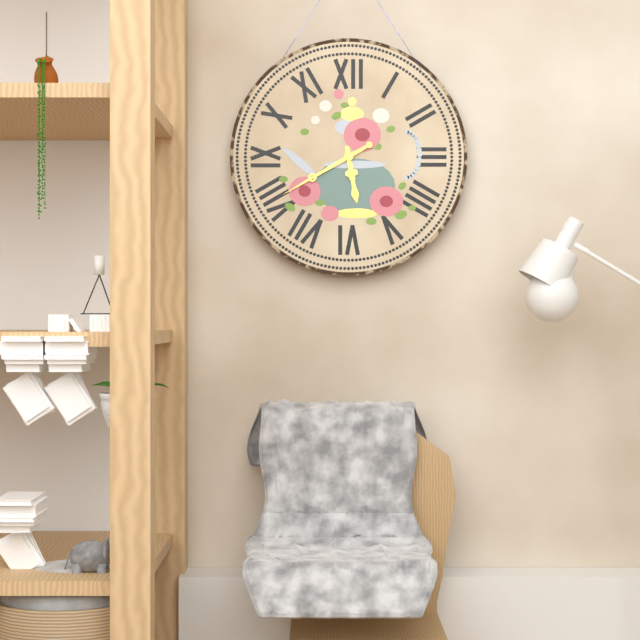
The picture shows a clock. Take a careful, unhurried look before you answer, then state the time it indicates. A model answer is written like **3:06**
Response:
**5:40**
